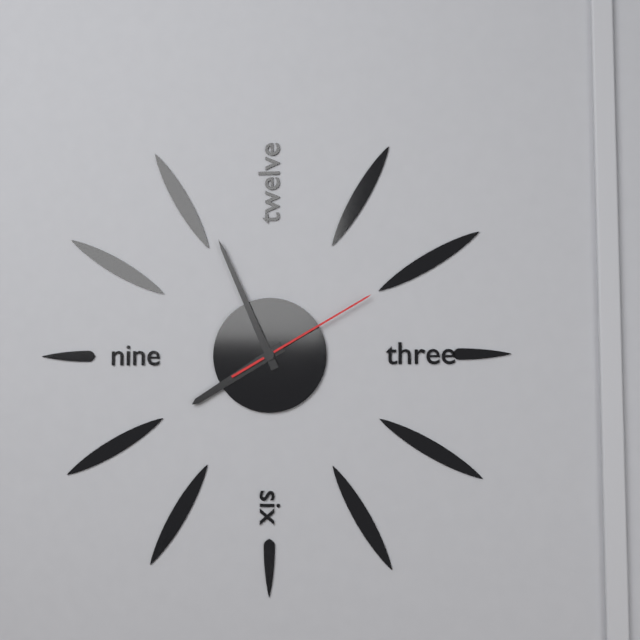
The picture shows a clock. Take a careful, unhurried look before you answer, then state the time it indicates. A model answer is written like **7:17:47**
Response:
**7:56:10**
